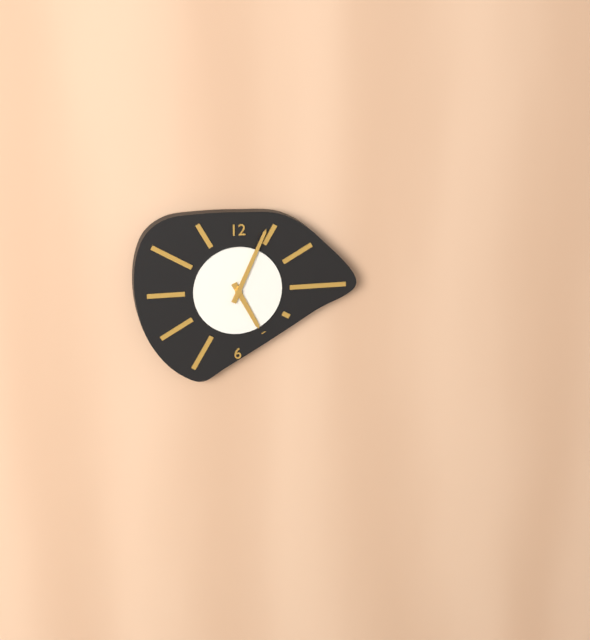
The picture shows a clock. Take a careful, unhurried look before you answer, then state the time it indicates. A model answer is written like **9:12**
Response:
**5:04**
